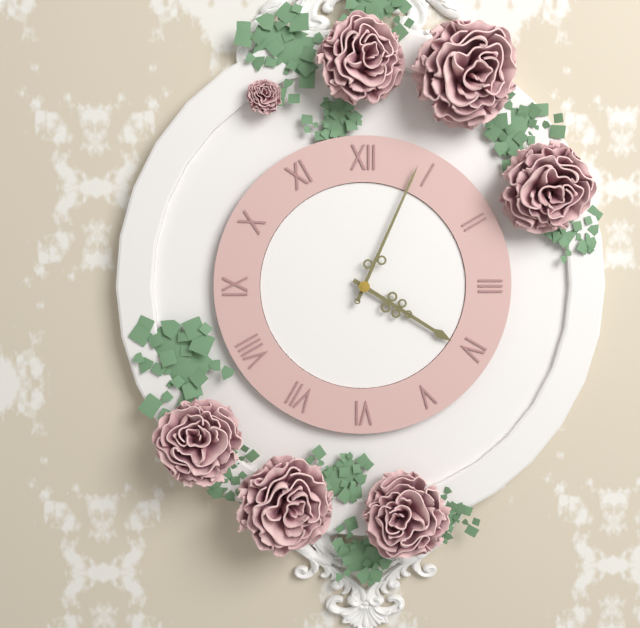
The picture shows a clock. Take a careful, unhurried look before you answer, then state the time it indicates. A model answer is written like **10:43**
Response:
**4:04**
